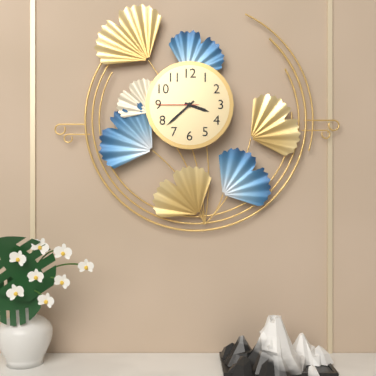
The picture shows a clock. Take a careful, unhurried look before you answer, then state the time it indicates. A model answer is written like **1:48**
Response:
**3:38**
